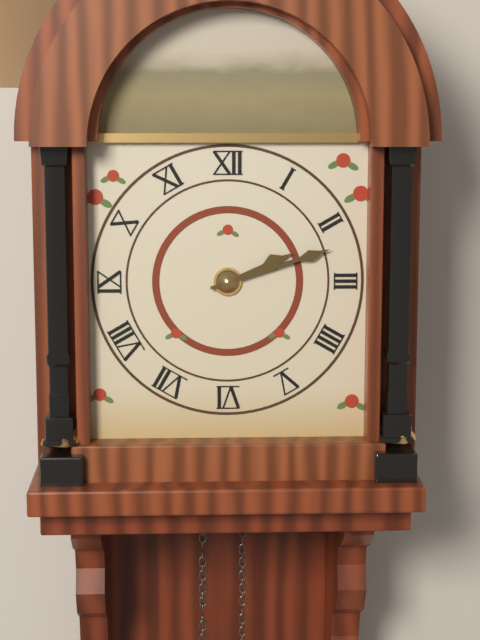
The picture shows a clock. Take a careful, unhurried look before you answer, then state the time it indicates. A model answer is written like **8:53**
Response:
**2:12**
